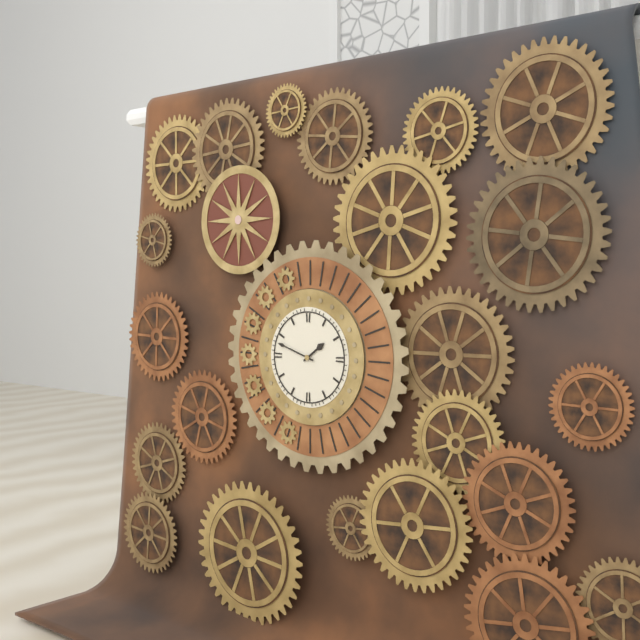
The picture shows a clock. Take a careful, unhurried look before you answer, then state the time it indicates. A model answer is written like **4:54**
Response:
**1:48**
